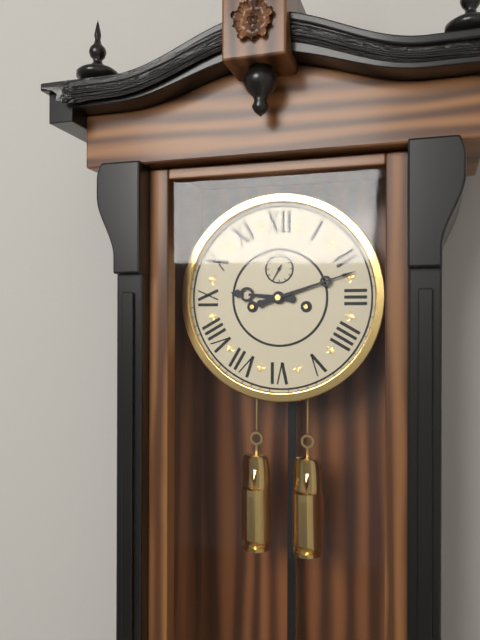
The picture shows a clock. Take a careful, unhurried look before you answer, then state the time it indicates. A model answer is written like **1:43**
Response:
**9:12**
